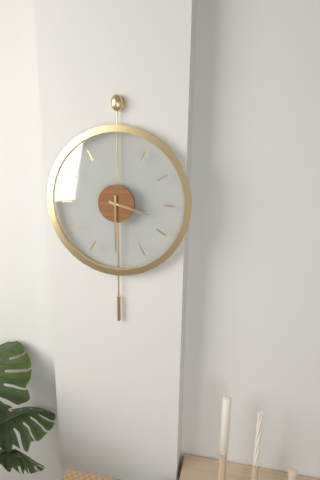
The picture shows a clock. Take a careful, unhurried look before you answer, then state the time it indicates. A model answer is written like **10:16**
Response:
**3:30**
